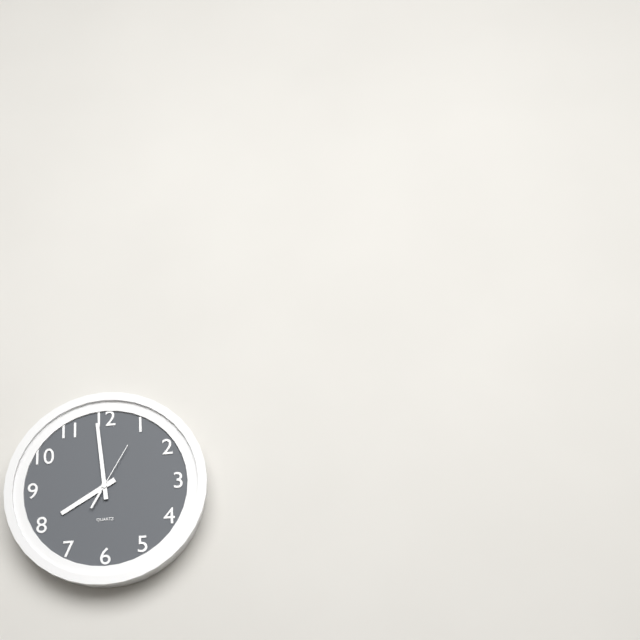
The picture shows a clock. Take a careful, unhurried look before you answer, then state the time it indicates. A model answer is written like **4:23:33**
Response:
**7:59:05**
